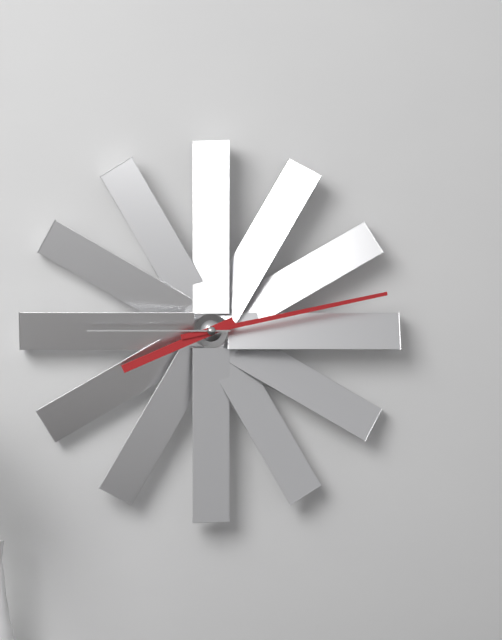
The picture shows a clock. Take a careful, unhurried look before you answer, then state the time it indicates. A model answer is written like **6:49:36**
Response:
**8:13:45**
